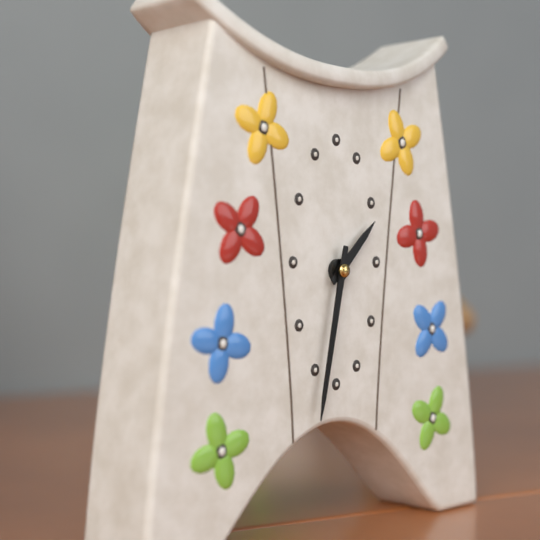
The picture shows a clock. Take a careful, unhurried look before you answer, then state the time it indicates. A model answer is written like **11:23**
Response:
**1:32**
